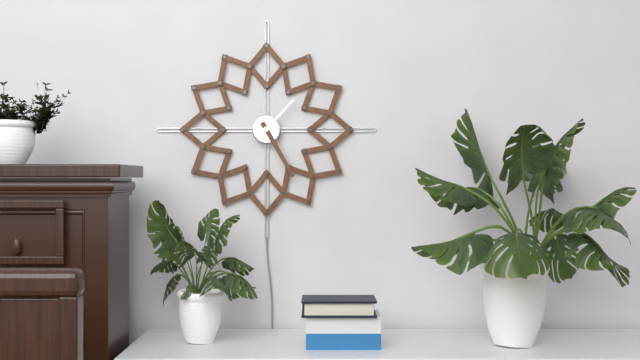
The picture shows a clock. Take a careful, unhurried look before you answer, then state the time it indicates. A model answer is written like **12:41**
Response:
**1:25**
